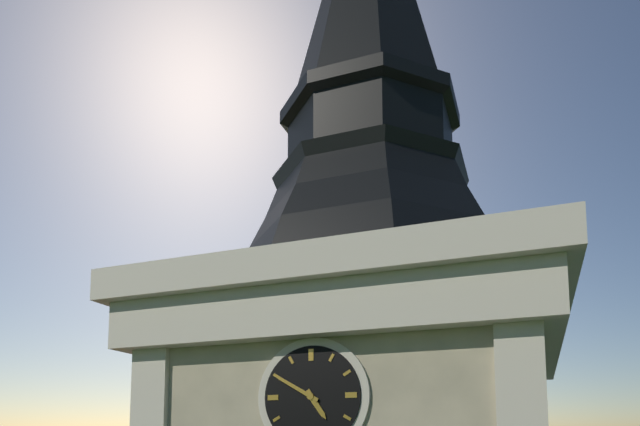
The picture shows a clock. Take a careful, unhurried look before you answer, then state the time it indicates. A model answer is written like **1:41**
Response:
**4:50**
